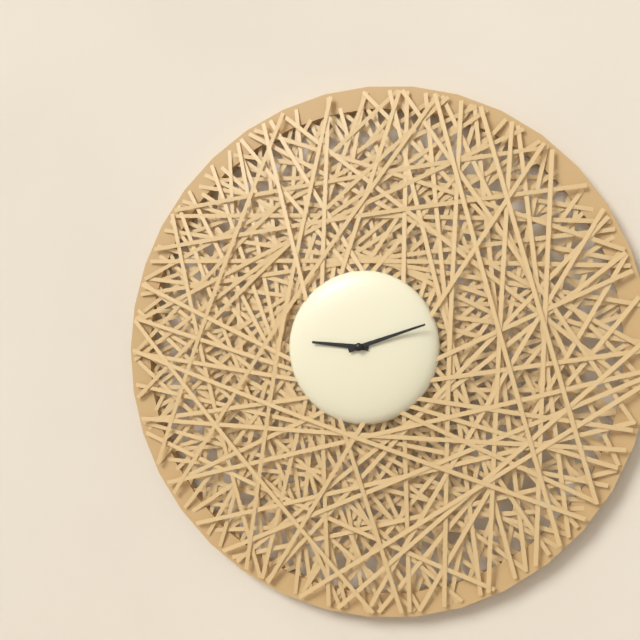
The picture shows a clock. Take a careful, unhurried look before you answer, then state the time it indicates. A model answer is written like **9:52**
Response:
**9:12**
